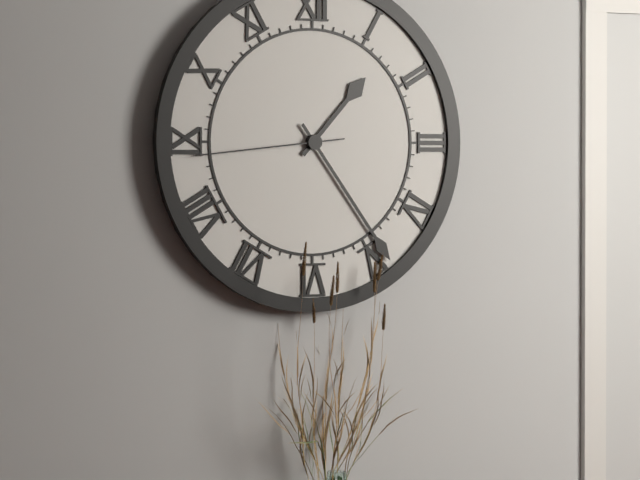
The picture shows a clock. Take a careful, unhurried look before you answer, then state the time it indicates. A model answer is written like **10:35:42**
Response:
**1:24:44**
